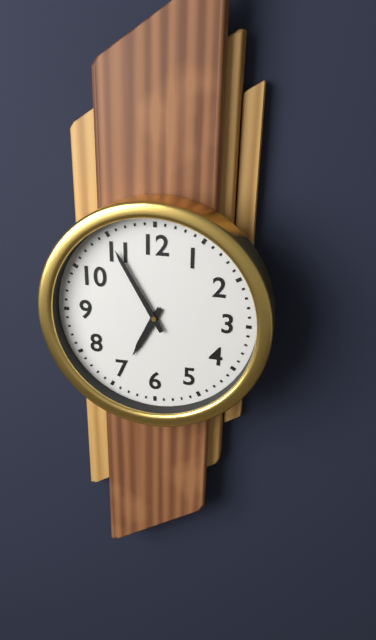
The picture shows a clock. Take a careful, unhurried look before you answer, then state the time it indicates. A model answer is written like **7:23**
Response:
**6:55**
